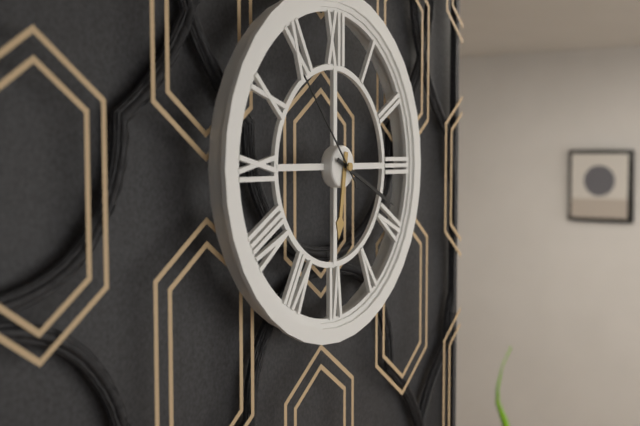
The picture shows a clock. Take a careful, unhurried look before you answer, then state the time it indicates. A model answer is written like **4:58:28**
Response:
**6:19:53**
